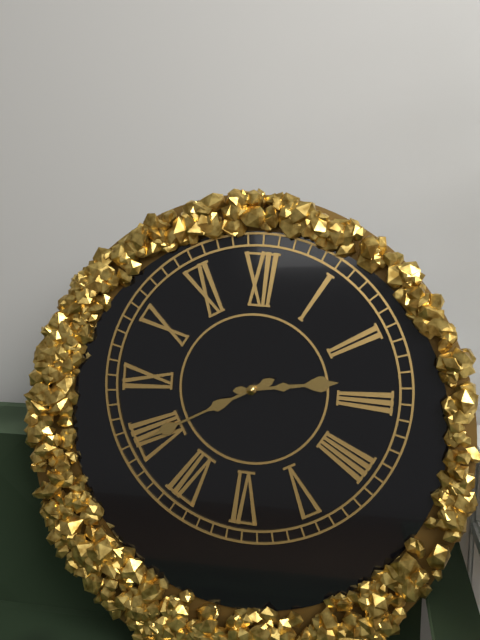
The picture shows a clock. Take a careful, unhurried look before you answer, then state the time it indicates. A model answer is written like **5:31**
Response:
**2:40**
